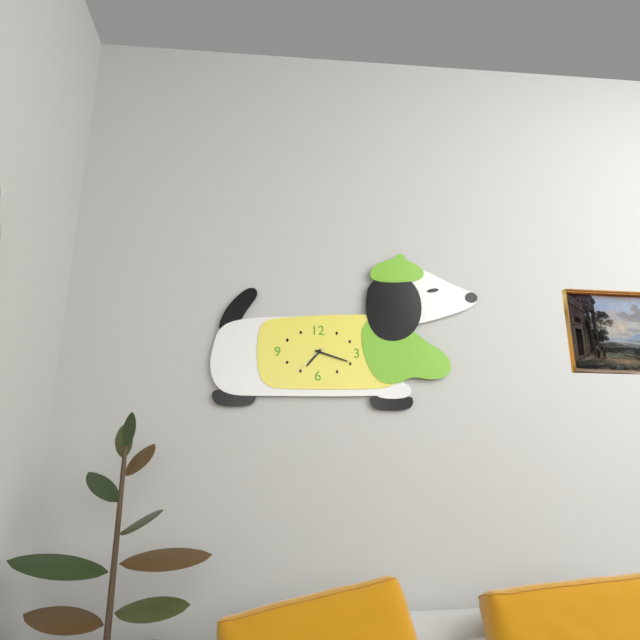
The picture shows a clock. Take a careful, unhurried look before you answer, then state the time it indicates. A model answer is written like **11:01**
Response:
**7:18**
